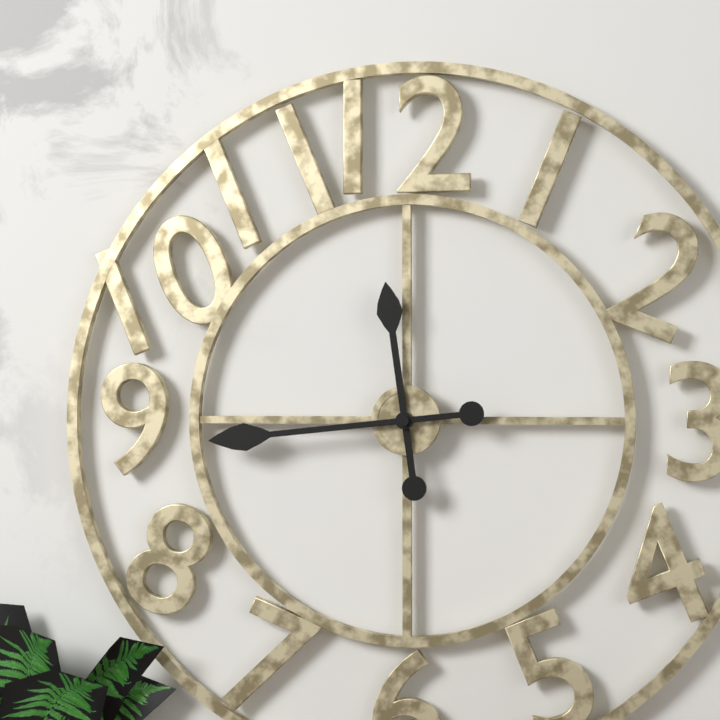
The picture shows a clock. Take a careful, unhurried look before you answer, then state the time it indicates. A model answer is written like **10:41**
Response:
**11:44**
